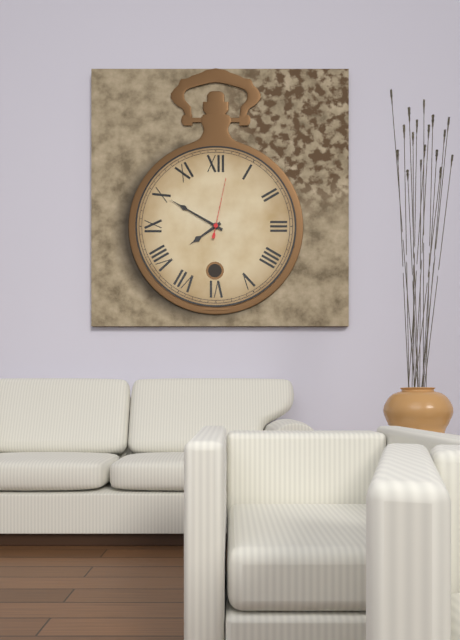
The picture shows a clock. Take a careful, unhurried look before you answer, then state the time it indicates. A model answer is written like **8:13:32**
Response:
**7:50:02**
